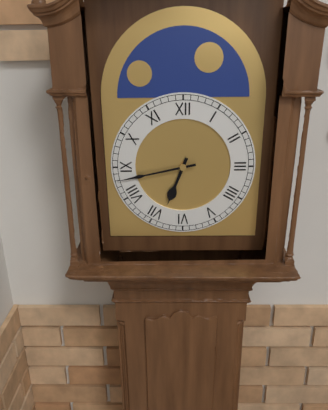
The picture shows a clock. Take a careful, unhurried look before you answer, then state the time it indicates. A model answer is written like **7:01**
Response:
**6:43**
